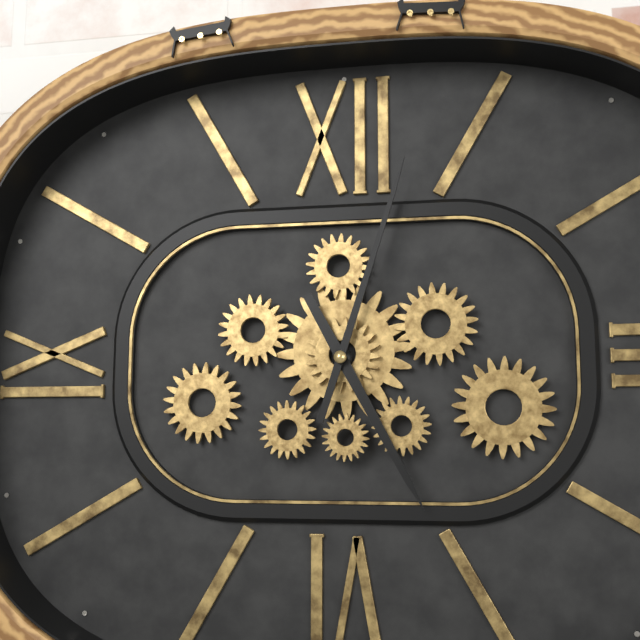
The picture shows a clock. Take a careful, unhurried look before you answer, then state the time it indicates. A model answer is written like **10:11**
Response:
**5:03**
